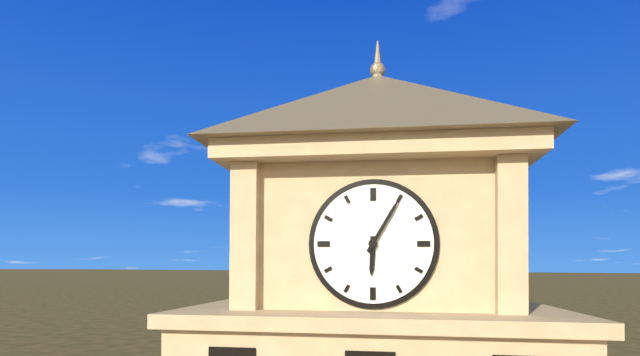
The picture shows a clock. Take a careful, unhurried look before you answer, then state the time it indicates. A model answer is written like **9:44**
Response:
**6:05**
